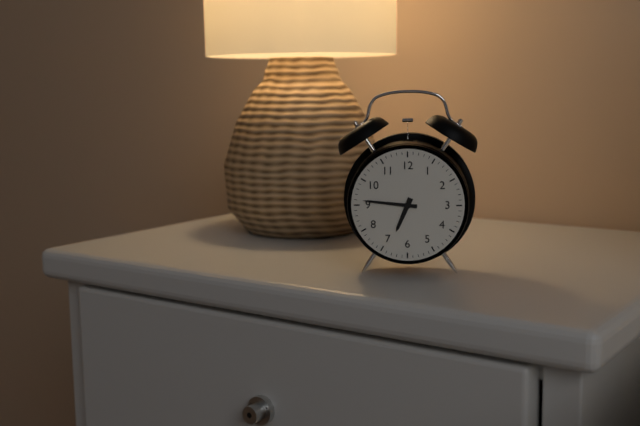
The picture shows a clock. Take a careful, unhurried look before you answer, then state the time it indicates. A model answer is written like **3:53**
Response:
**6:46**
